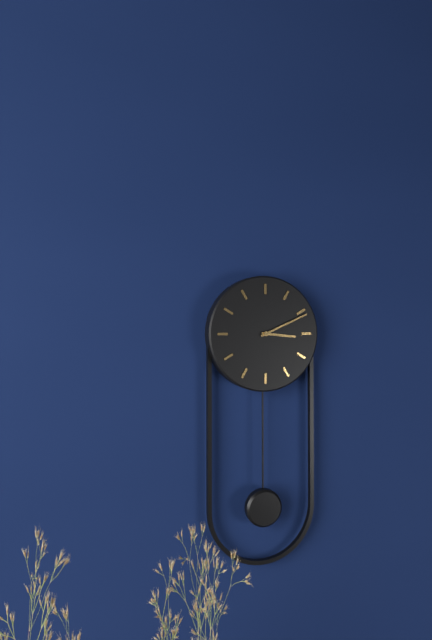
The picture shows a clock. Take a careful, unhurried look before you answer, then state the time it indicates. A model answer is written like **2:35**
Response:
**3:11**
